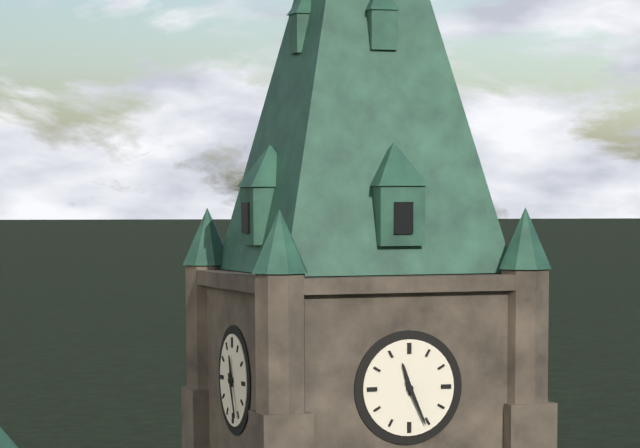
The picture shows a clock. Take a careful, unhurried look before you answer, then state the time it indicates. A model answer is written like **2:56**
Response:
**11:26**
